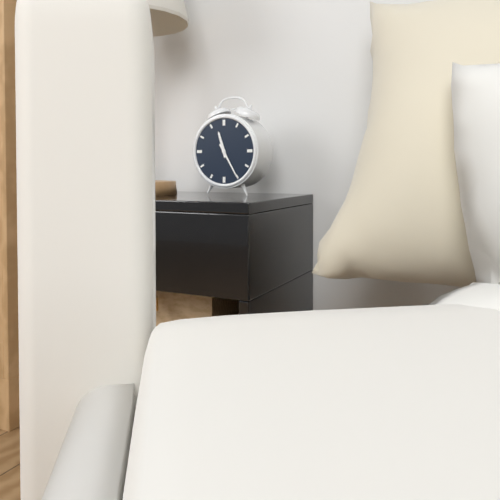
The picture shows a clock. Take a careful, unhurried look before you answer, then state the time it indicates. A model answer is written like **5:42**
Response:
**11:25**
